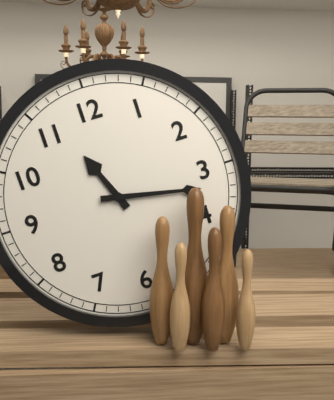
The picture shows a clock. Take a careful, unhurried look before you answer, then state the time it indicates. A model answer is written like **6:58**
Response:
**11:17**
